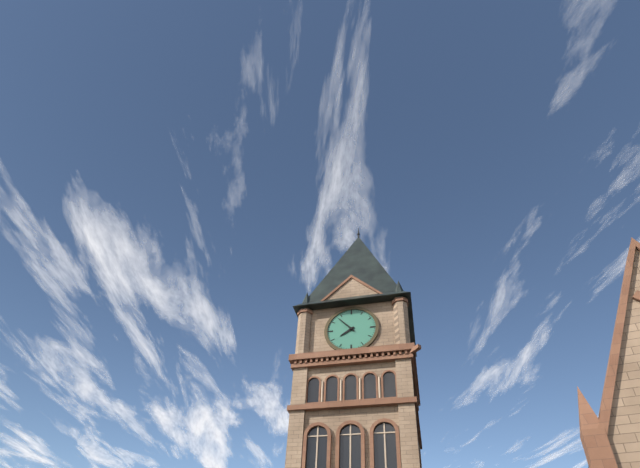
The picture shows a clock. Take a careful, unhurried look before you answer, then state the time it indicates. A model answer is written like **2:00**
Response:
**7:53**
